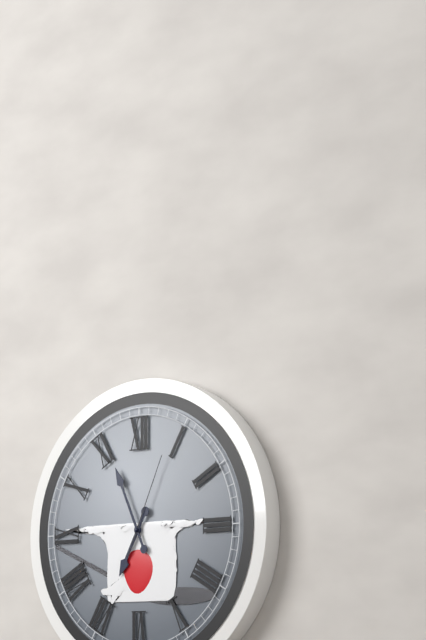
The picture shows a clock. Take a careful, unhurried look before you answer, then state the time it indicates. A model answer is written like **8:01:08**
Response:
**6:56:04**
